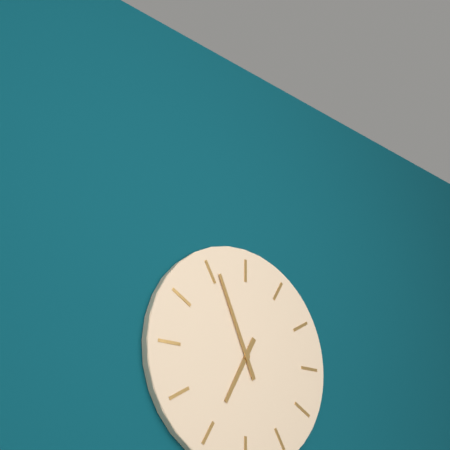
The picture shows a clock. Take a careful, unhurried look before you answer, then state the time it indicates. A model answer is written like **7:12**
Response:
**6:56**
